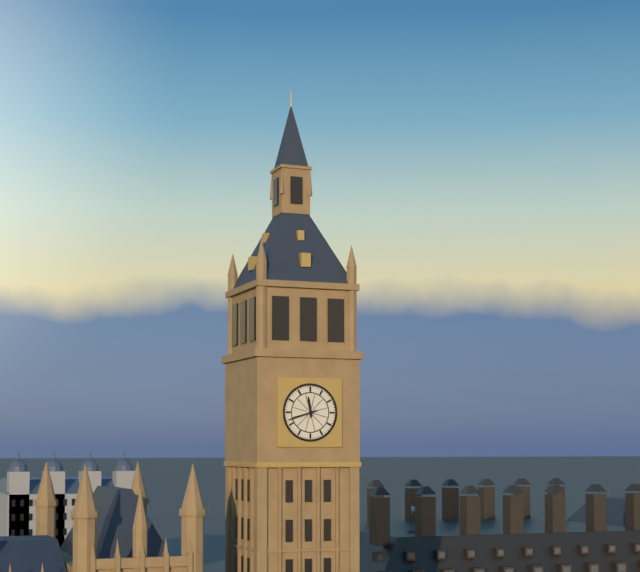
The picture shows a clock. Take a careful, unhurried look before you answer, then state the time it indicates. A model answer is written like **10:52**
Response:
**11:42**
